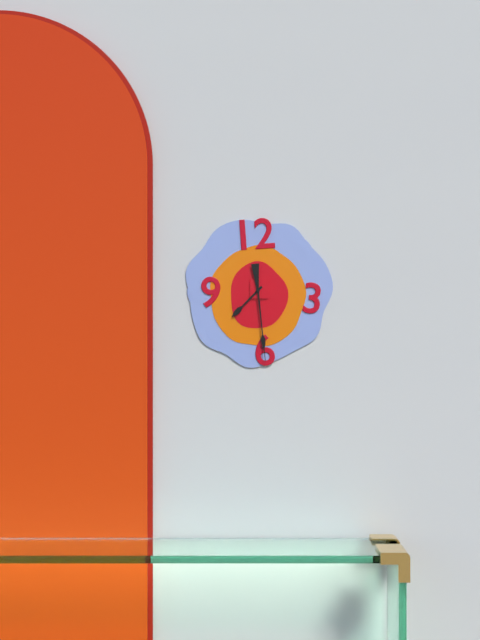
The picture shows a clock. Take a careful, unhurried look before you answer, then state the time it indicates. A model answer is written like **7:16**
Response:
**7:29**
